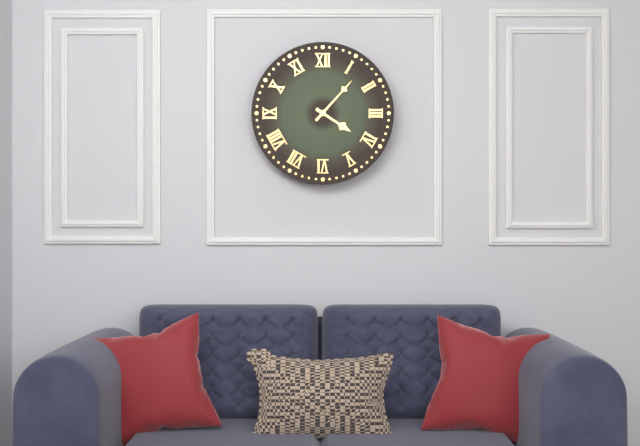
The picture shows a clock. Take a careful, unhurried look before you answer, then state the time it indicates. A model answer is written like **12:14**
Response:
**4:07**
